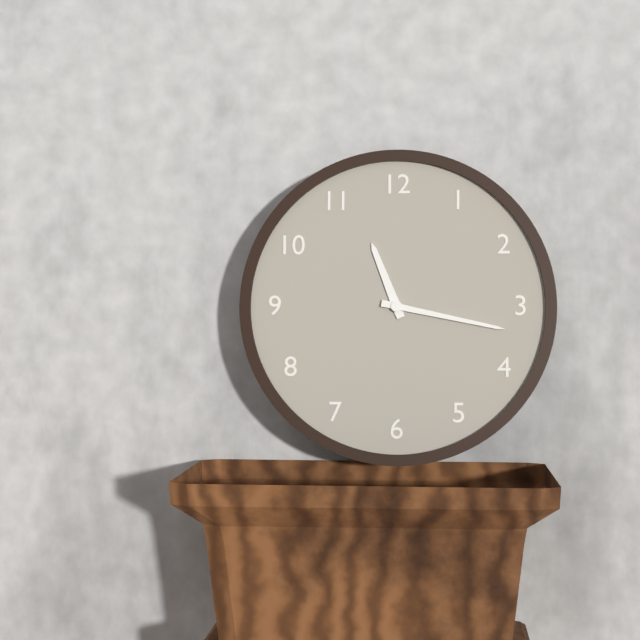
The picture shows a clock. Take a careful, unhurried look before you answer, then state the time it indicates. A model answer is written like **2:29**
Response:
**11:17**
